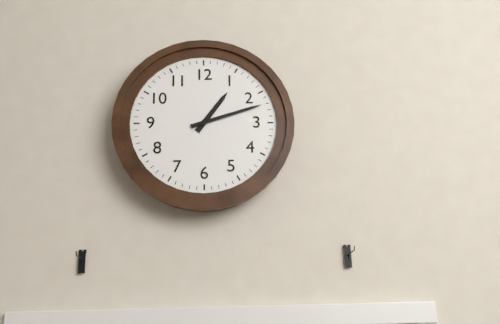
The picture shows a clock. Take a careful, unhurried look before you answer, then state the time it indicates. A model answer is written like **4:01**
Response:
**1:12**
